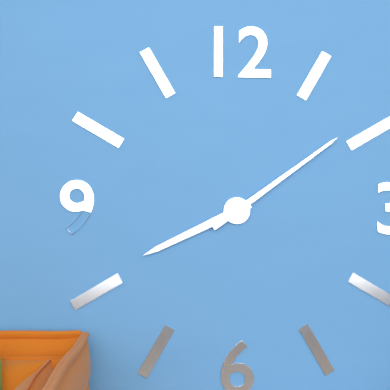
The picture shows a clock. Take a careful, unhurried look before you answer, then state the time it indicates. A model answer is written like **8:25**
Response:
**8:09**
